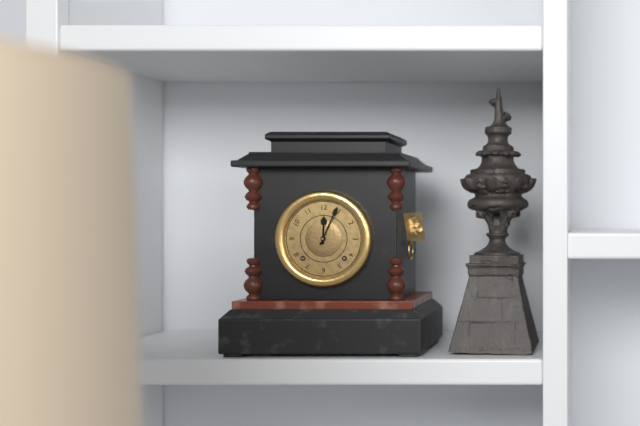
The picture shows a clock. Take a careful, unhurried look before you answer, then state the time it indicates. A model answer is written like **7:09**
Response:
**12:04**
